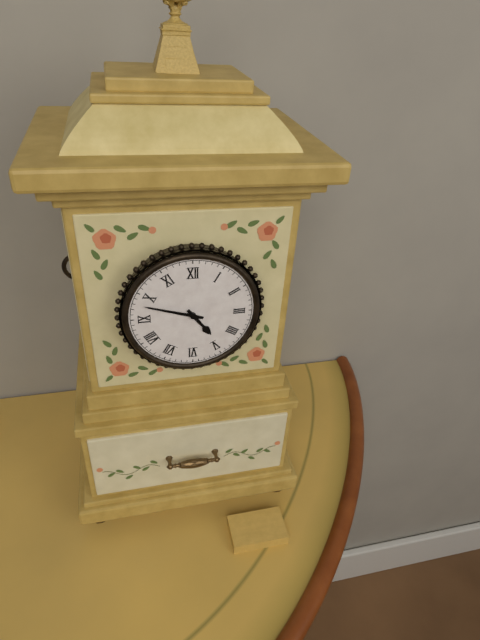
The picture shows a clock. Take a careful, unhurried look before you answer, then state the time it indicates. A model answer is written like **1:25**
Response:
**4:48**
